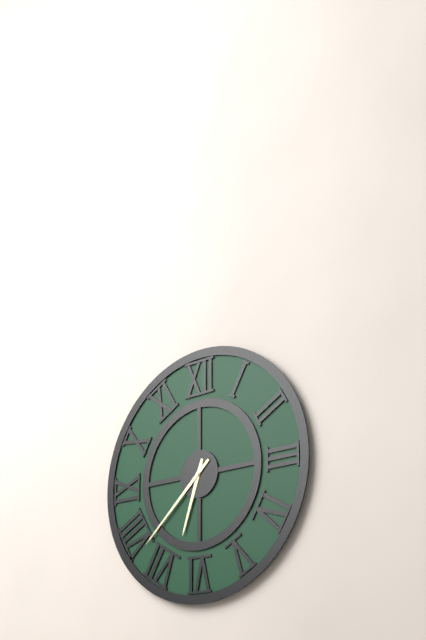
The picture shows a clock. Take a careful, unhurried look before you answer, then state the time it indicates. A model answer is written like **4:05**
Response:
**6:38**
